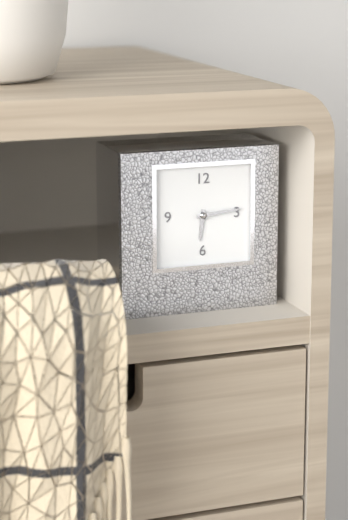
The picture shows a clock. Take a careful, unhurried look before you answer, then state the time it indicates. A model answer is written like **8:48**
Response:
**6:14**
